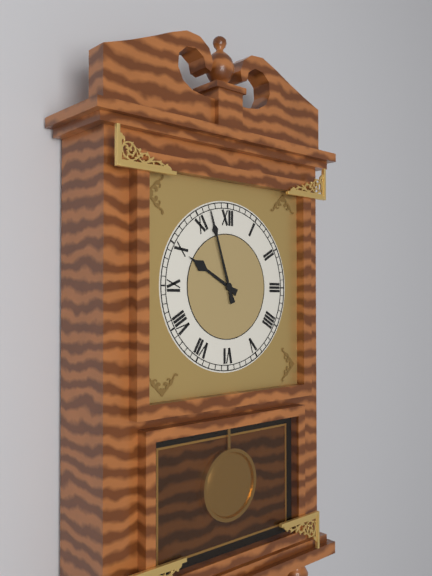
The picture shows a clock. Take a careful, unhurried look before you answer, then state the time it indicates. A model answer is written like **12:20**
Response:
**9:57**
